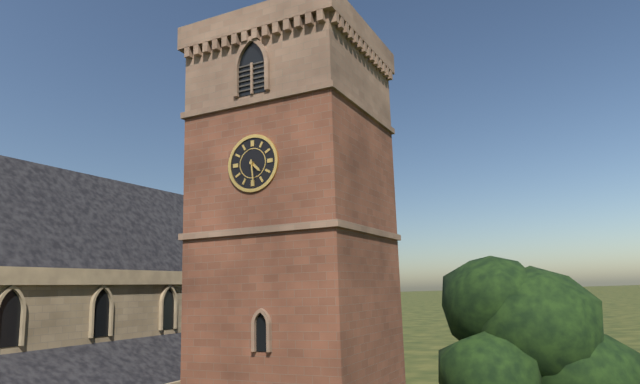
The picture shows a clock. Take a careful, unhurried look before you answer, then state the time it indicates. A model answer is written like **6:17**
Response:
**4:29**
